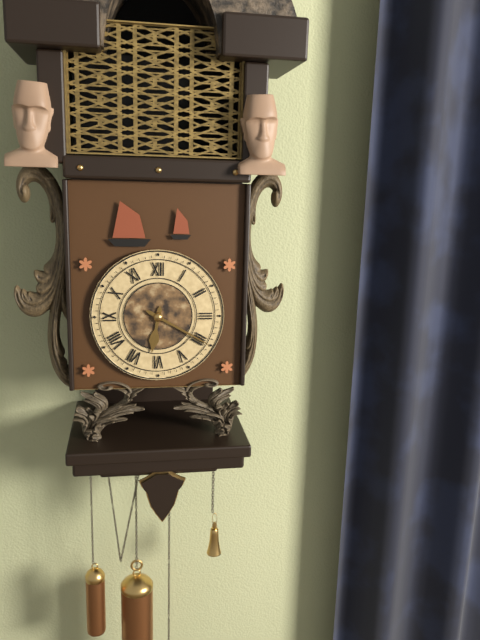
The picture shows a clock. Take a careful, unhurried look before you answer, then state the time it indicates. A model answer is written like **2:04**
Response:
**6:20**
